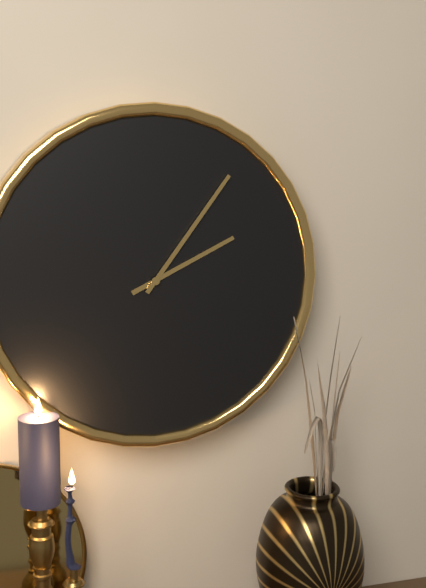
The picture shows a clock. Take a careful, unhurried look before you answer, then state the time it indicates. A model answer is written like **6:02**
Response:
**2:06**
